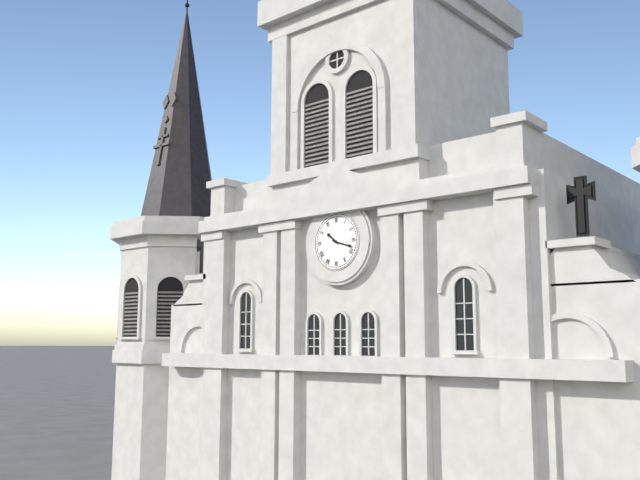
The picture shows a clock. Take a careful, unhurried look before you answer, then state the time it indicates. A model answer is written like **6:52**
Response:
**10:18**
